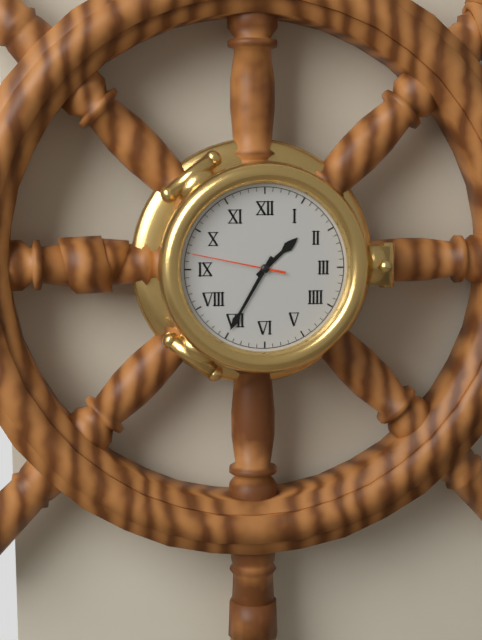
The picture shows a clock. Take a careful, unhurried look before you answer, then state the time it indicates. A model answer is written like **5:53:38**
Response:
**1:35:47**
